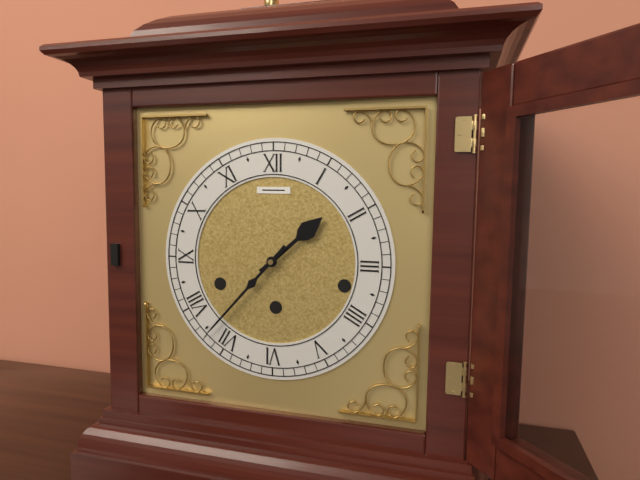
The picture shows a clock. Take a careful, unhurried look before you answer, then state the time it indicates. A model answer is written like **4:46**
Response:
**1:37**
